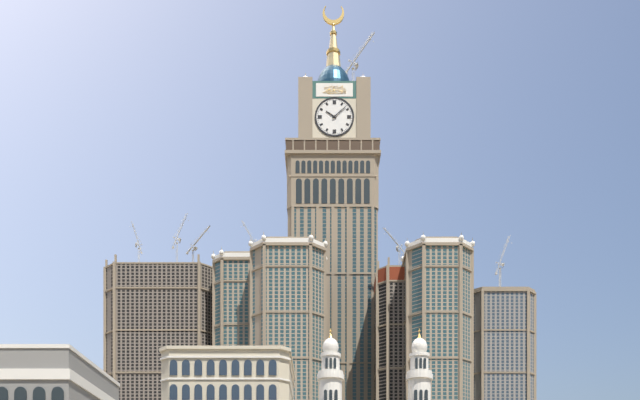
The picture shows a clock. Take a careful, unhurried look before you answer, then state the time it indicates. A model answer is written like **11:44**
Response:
**10:08**
